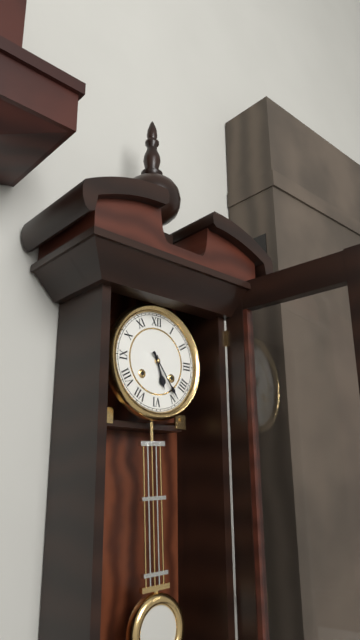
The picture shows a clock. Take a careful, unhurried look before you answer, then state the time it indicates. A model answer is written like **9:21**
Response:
**5:24**
